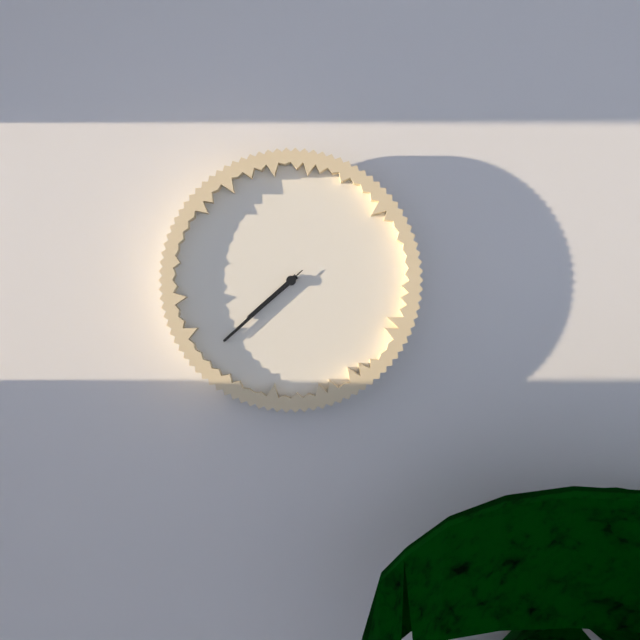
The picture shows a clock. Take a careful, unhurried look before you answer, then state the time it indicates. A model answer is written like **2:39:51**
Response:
**7:38:38**
